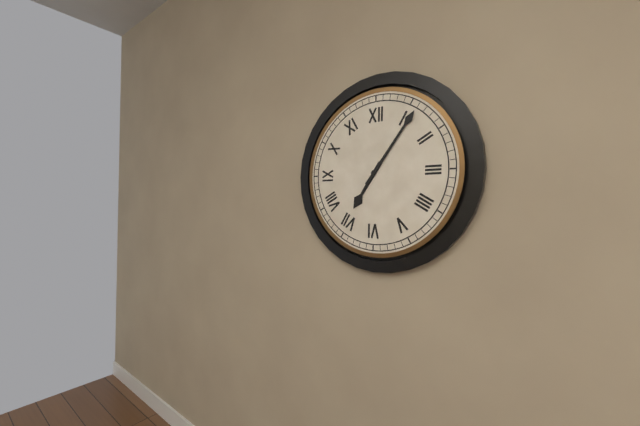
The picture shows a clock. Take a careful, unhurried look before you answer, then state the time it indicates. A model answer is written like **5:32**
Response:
**7:06**
